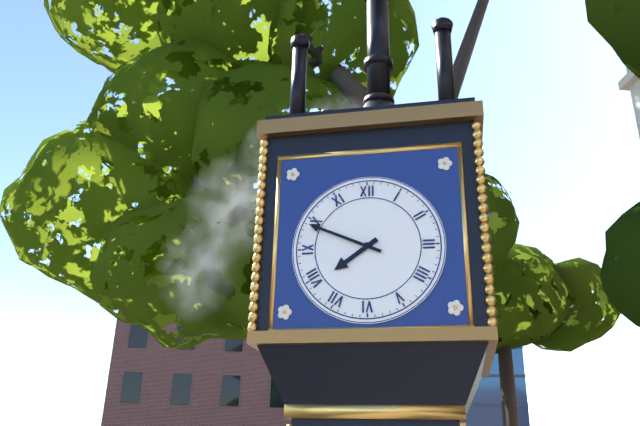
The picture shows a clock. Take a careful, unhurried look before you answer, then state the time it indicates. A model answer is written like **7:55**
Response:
**7:49**
